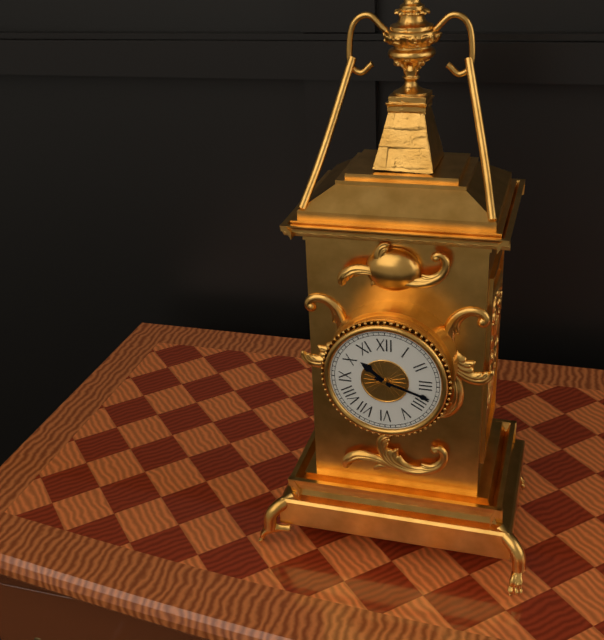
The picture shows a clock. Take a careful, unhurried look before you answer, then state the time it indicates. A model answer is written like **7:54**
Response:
**10:18**
